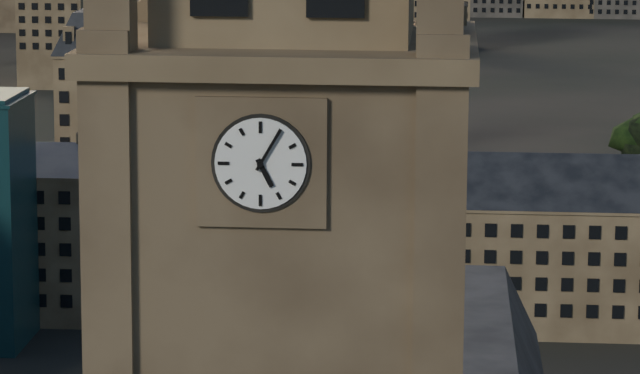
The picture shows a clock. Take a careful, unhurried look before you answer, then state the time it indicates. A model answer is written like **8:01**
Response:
**5:05**
